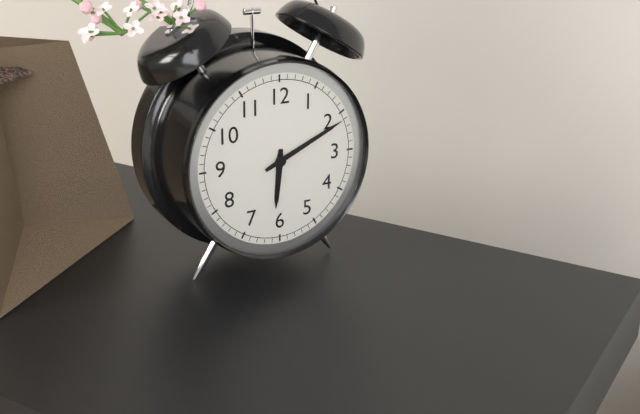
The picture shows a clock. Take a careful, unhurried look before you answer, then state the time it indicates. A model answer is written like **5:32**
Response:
**6:11**
